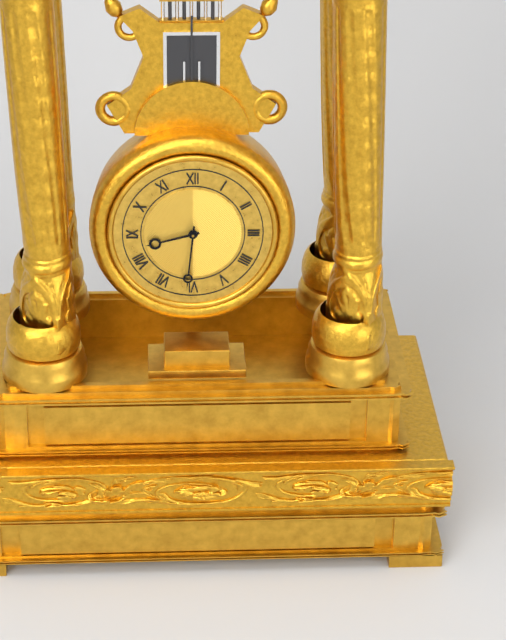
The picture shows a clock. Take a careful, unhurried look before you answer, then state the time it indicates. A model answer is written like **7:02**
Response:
**8:31**
